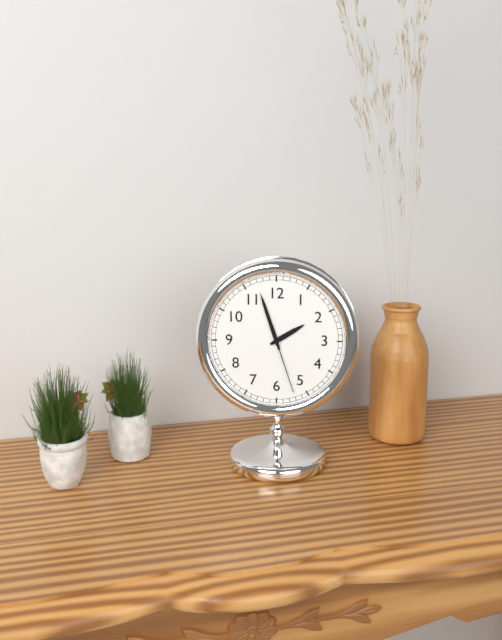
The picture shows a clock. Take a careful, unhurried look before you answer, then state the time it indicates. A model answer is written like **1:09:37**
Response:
**1:57:27**
